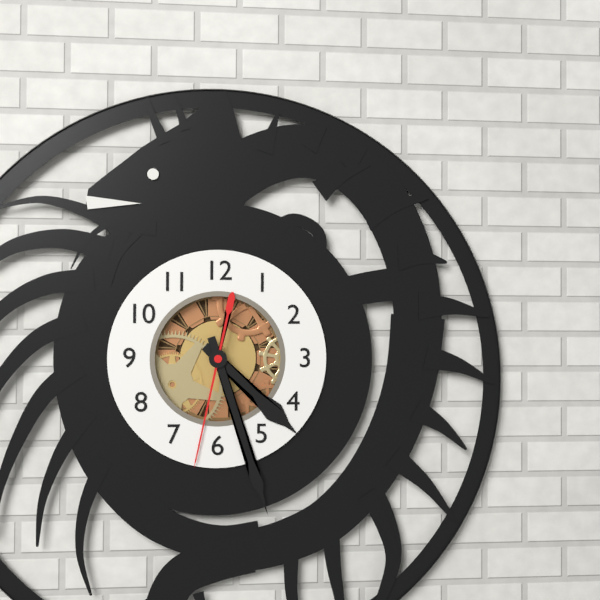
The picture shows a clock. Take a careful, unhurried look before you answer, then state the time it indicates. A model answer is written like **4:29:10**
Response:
**4:27:32**
